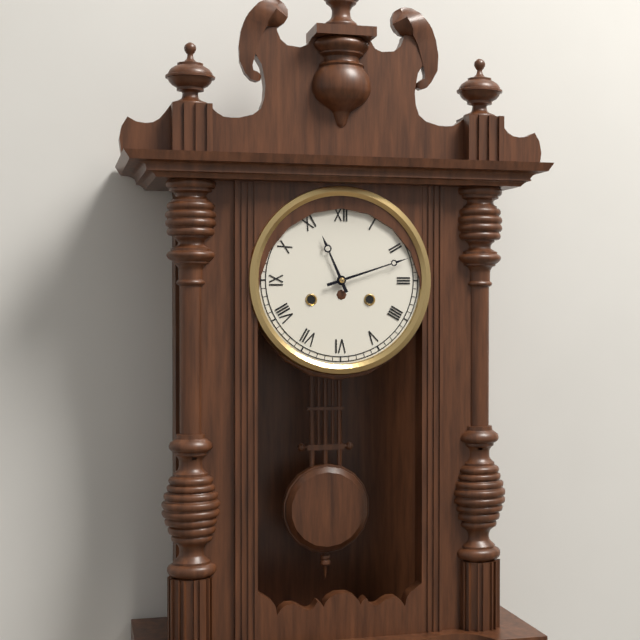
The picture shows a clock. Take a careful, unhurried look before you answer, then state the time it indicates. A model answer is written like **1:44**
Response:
**11:12**
